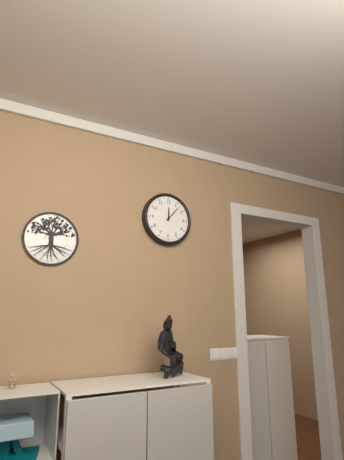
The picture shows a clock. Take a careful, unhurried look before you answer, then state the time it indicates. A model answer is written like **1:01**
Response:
**12:07**
